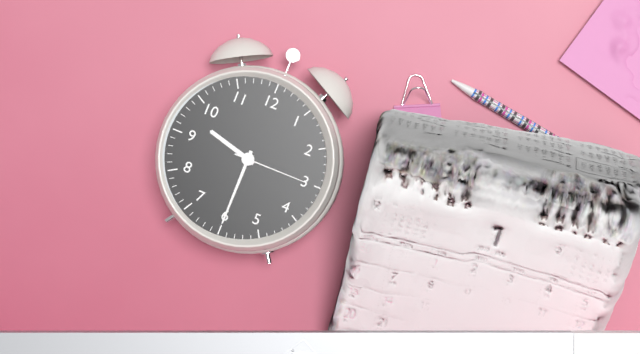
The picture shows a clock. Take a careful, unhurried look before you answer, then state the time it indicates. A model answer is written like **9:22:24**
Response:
**9:30:15**
